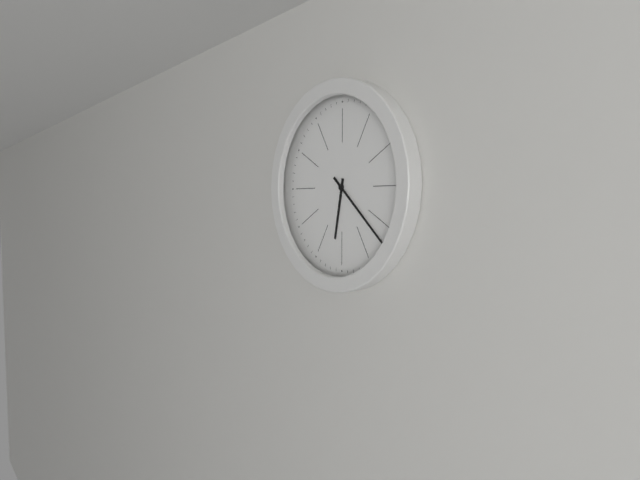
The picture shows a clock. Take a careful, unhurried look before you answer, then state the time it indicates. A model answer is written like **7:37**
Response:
**6:22**
